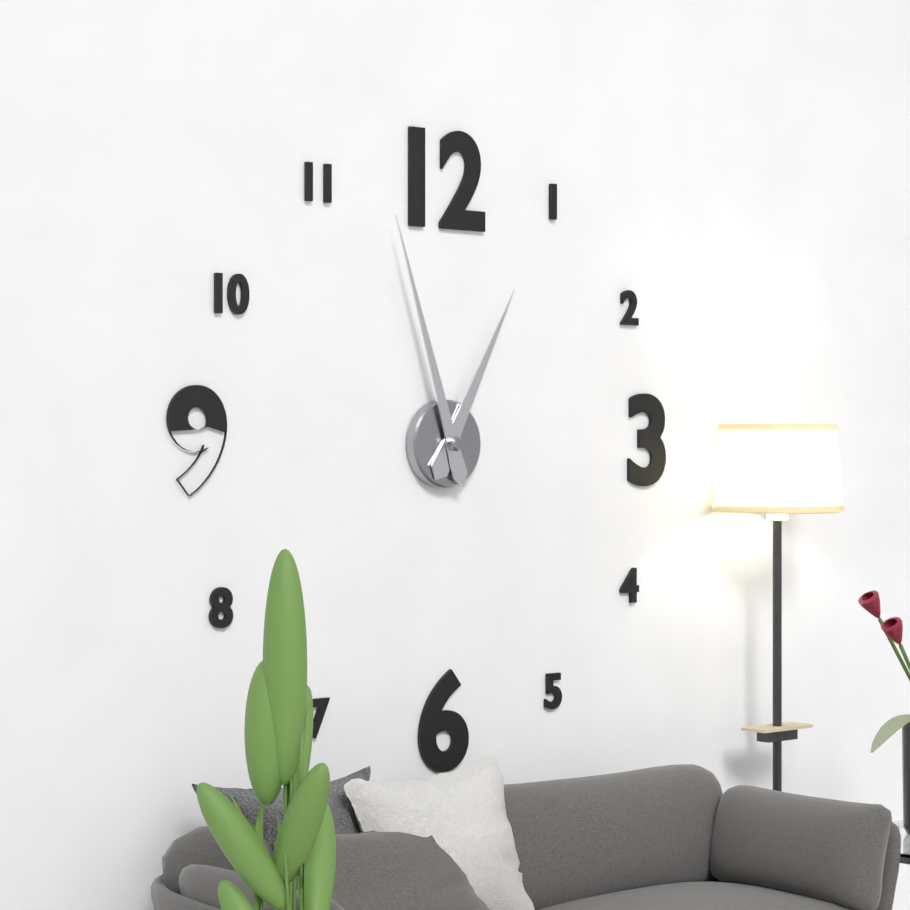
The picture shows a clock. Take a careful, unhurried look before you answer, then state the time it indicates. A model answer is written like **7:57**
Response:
**12:57**
